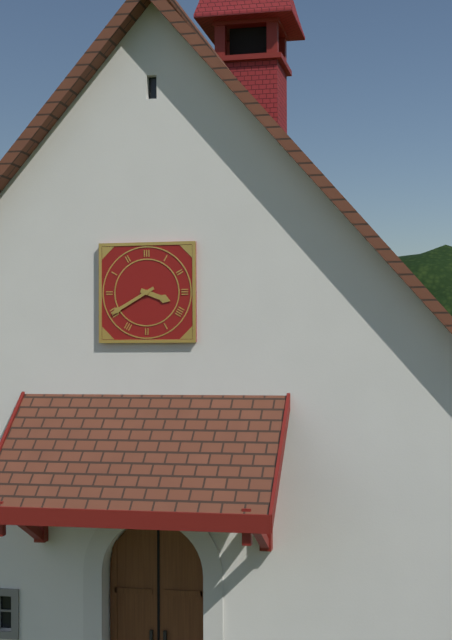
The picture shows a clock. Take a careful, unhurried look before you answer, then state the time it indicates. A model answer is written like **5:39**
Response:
**3:40**
